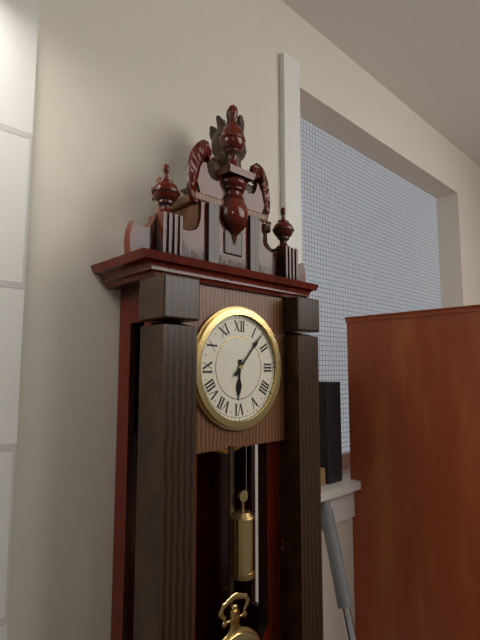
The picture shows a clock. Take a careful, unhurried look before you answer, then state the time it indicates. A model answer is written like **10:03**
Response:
**6:07**
